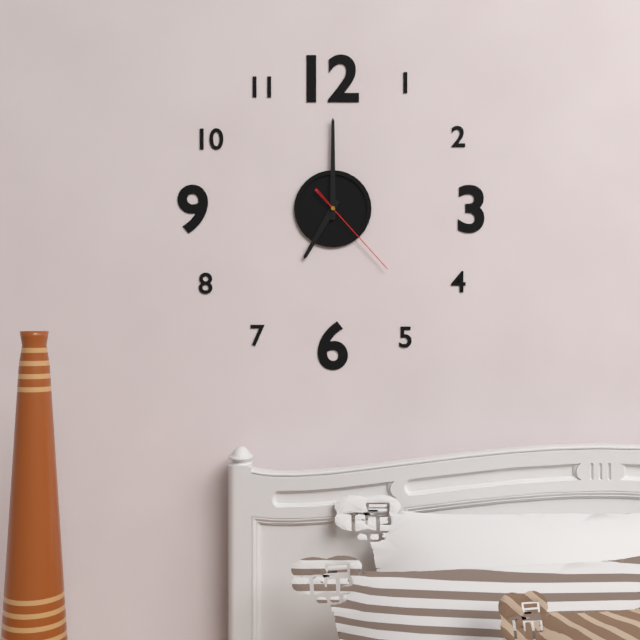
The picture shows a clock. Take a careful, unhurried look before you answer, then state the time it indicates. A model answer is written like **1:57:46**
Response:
**7:00:23**
